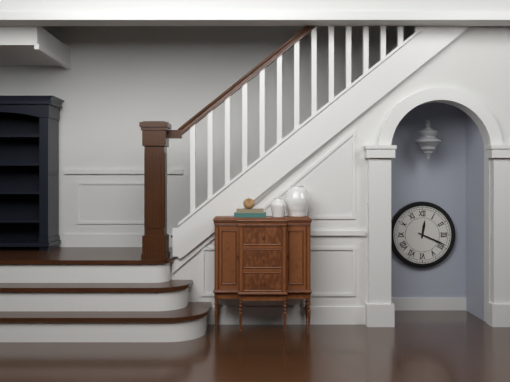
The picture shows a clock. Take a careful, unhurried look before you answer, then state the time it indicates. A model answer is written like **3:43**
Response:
**12:19**
